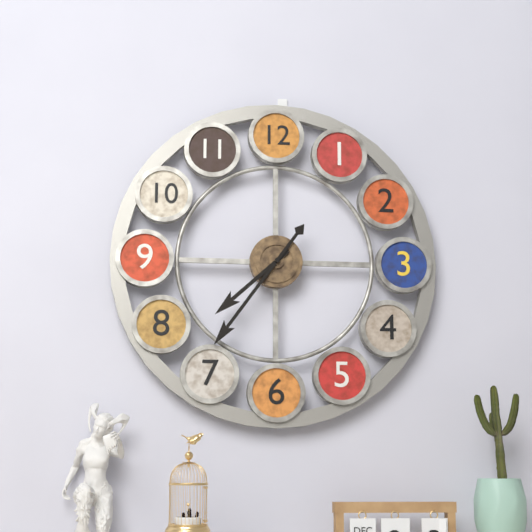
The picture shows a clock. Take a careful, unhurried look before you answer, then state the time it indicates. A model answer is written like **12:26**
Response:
**7:36**
